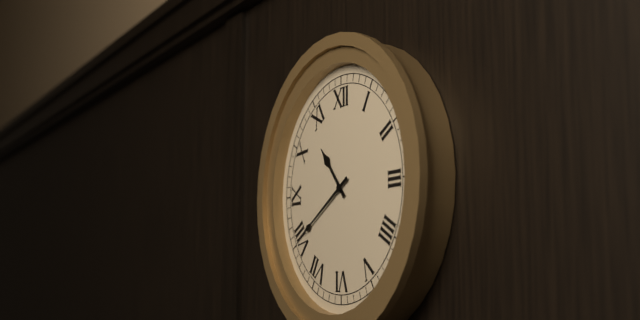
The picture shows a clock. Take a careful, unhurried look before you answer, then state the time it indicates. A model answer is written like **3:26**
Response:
**10:40**
